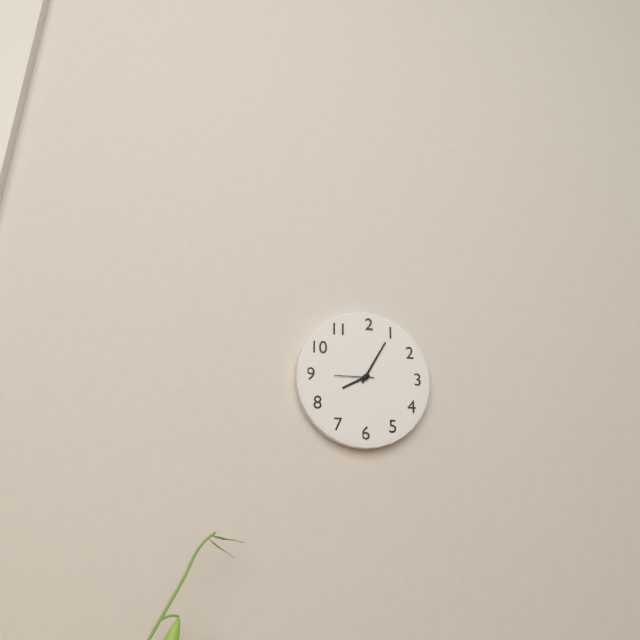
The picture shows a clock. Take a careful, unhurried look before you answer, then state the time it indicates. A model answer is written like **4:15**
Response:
**8:05**
